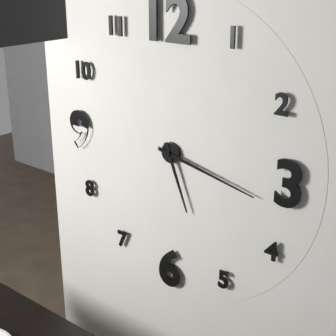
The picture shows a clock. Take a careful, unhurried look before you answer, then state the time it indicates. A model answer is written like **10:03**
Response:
**5:17**
